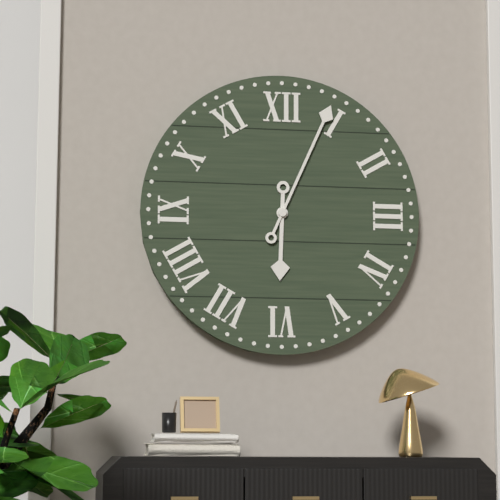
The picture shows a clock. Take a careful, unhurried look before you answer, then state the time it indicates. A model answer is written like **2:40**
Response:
**6:04**
